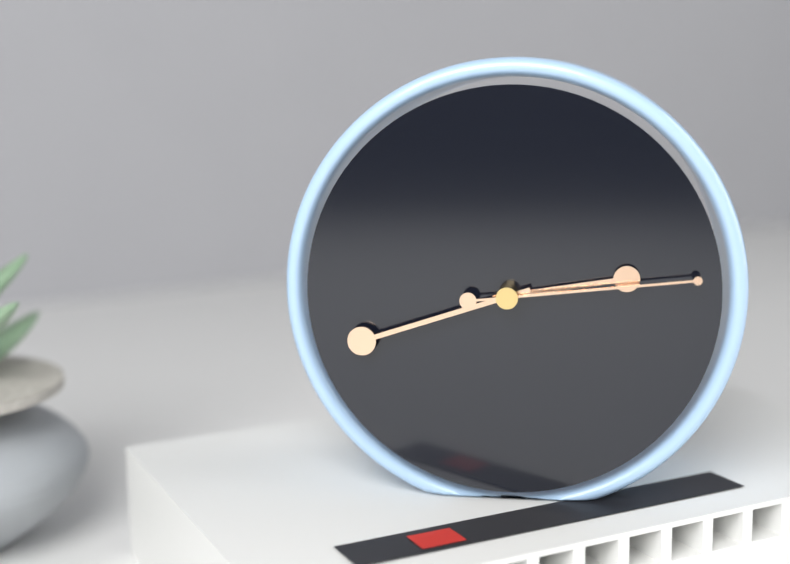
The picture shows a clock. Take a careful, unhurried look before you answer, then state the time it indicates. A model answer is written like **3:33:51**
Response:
**2:42:14**
